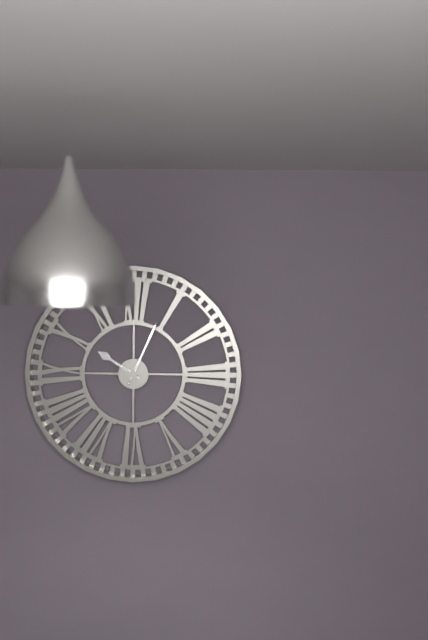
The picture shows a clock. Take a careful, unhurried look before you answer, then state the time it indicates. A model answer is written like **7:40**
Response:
**10:04**
